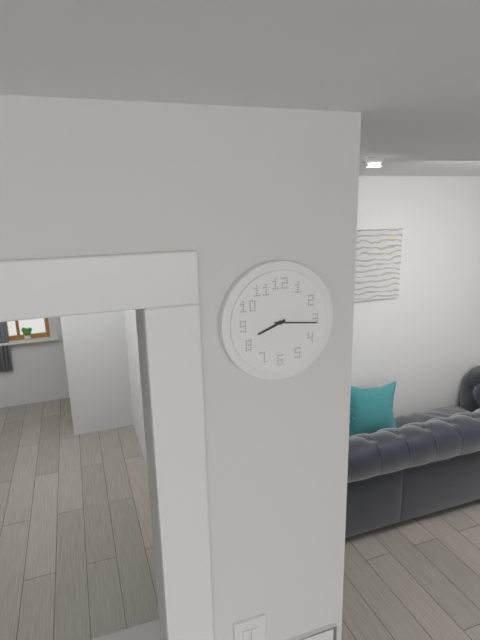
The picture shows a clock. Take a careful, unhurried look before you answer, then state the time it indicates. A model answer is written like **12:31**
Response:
**8:16**
